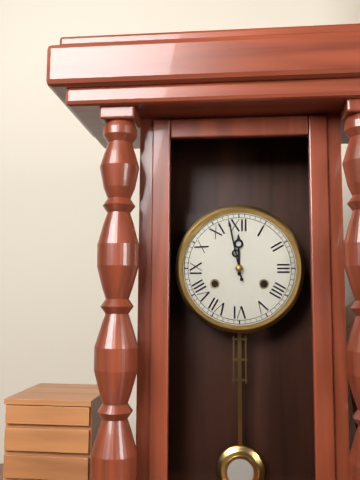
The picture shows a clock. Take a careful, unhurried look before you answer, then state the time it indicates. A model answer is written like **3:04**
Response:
**11:58**
